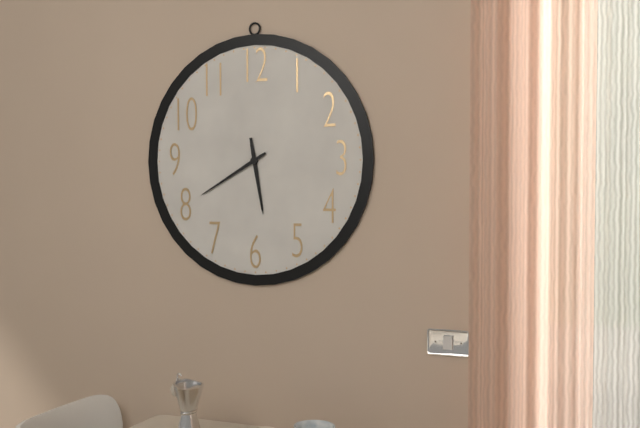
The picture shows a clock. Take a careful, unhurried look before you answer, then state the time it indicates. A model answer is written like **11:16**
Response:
**5:40**
